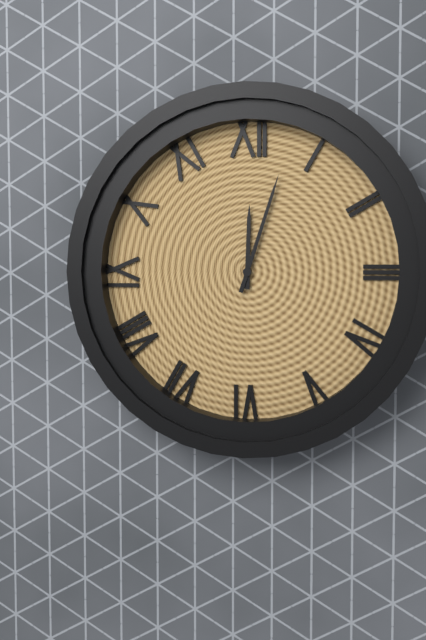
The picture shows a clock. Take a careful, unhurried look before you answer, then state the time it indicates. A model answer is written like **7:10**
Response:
**12:03**
